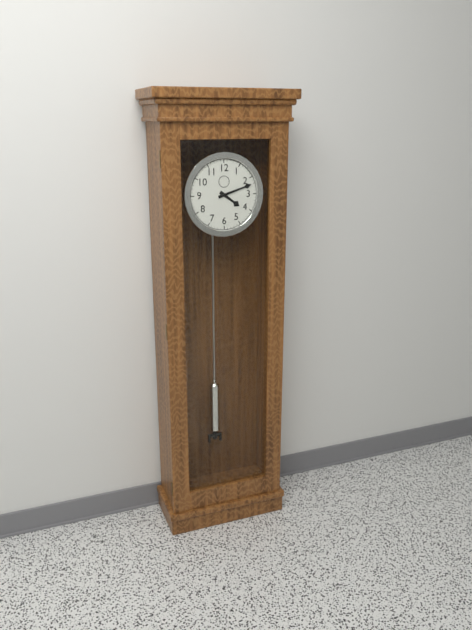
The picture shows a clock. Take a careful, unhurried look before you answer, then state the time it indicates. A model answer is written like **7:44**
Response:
**4:12**
